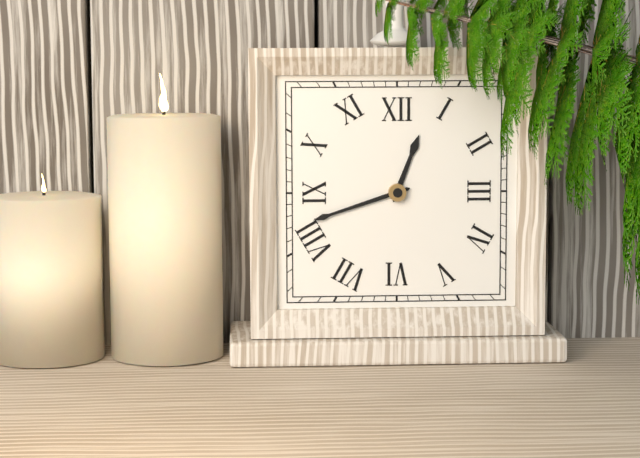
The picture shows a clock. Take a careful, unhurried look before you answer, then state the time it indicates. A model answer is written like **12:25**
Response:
**12:42**
